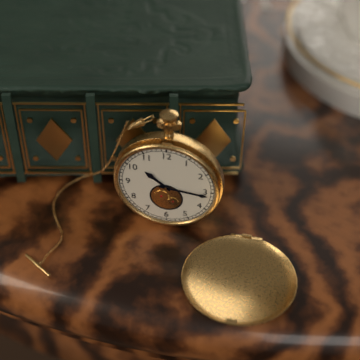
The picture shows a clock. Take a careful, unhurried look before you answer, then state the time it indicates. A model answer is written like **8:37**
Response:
**10:16**
